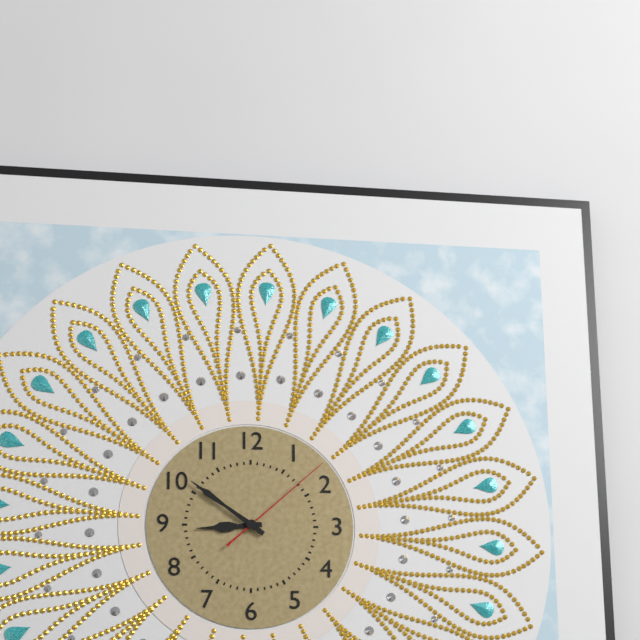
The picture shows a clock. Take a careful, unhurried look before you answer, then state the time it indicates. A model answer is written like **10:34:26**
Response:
**8:51:08**
